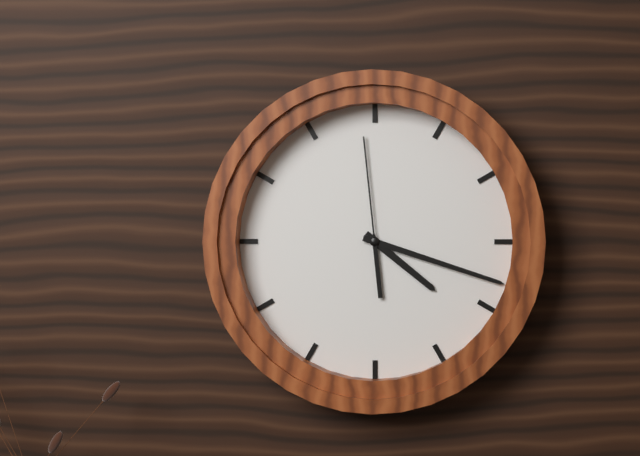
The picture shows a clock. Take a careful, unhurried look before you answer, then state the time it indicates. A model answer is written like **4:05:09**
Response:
**4:18:59**
